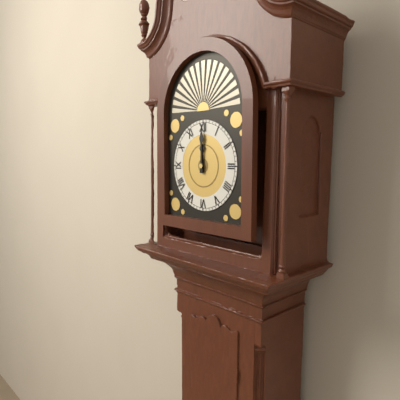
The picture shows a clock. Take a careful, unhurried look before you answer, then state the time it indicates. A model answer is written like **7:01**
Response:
**12:00**
